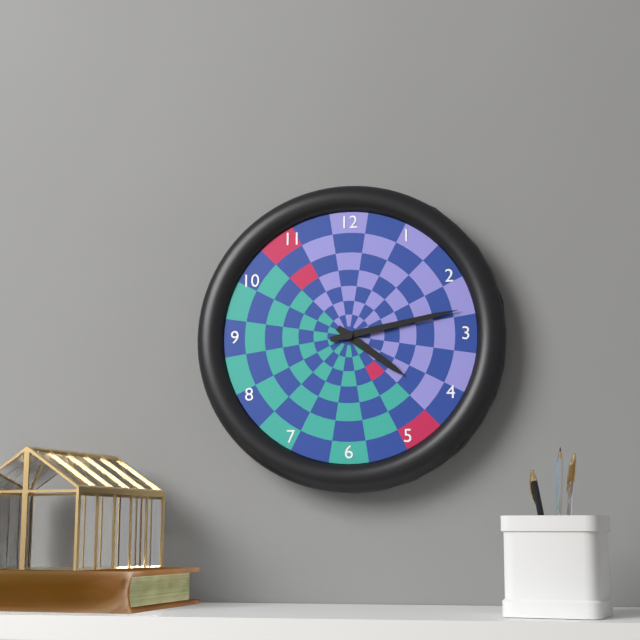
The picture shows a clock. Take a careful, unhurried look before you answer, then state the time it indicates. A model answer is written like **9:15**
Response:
**4:13**
